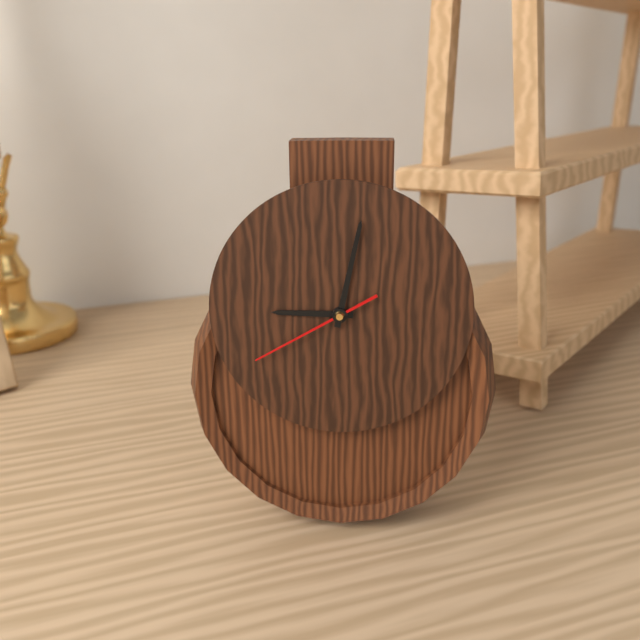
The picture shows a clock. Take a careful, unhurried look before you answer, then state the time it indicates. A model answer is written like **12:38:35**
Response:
**9:02:40**
